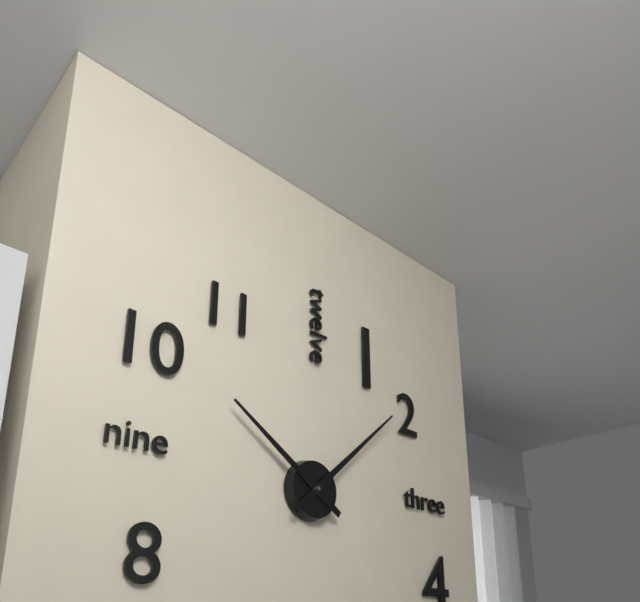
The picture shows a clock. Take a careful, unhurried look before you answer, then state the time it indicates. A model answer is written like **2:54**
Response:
**10:08**
